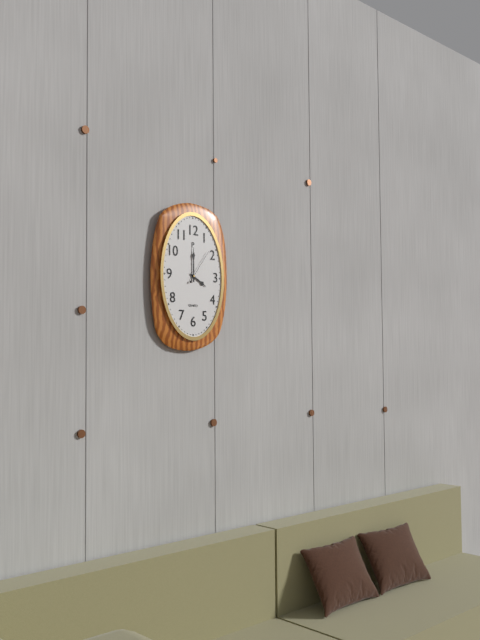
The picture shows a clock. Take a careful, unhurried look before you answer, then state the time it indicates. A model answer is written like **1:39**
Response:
**4:00**
